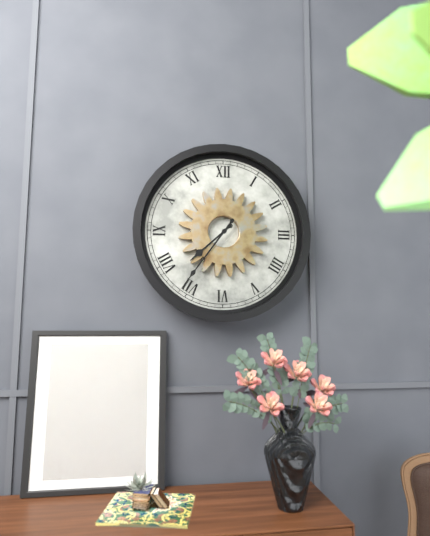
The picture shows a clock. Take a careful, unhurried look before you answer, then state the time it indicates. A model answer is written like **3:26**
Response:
**7:36**
